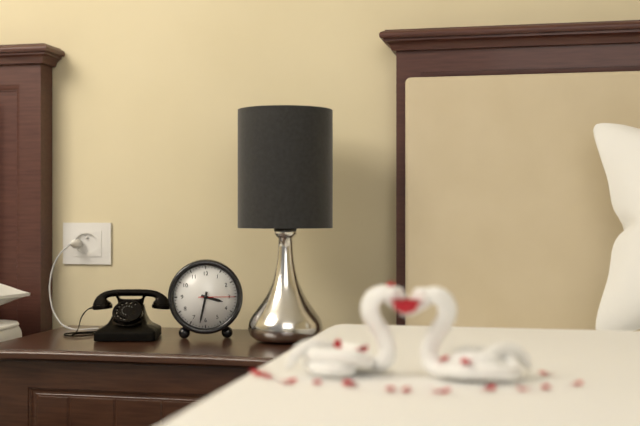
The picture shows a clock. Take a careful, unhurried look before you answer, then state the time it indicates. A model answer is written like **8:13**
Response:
**3:32**
